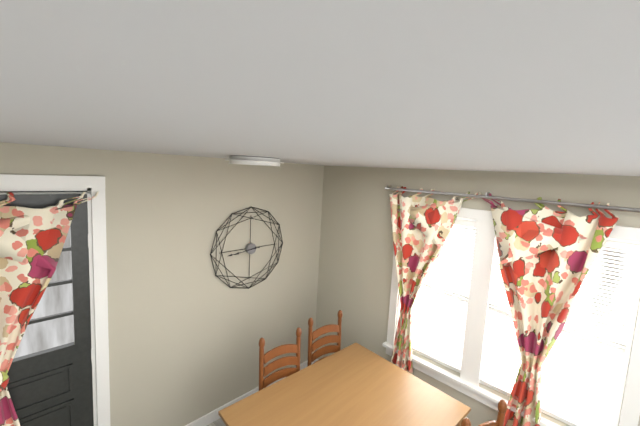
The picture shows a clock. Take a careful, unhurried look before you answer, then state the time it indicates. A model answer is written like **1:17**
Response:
**8:44**
